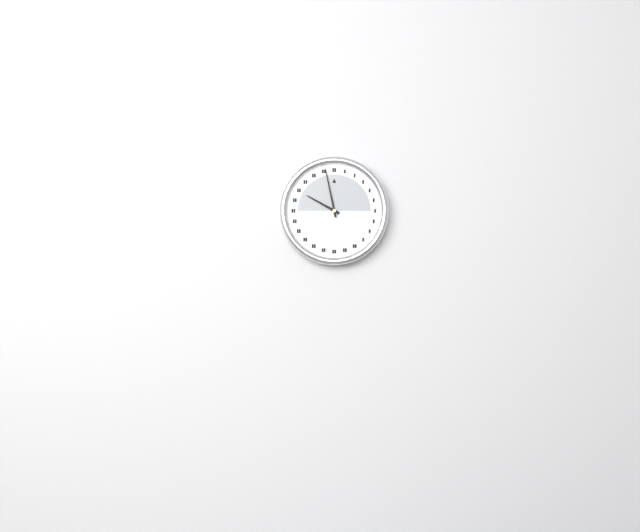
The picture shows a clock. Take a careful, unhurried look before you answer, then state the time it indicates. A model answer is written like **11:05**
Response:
**9:58**
